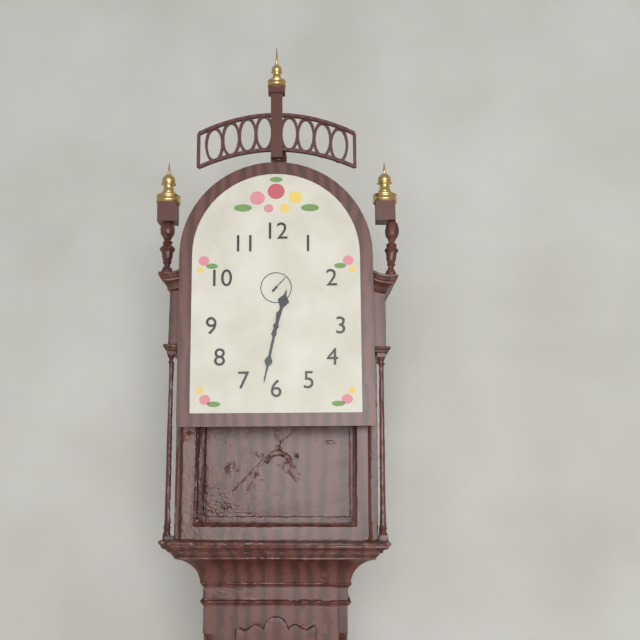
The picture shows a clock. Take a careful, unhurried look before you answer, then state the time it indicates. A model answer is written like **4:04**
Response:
**12:32**
